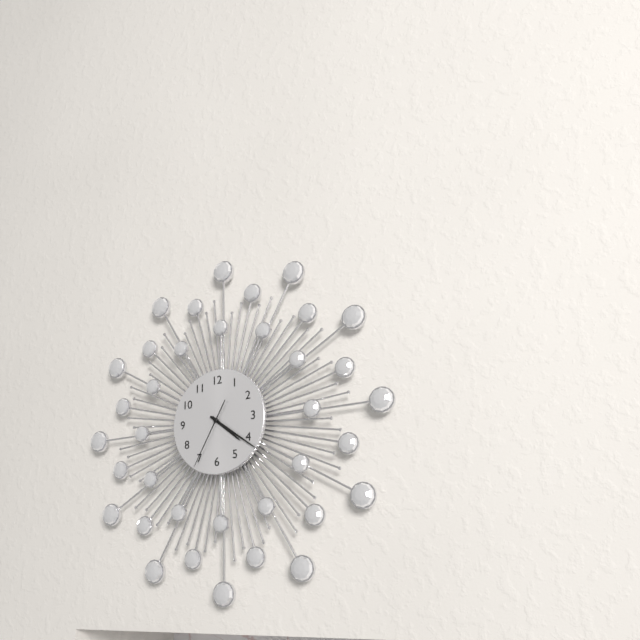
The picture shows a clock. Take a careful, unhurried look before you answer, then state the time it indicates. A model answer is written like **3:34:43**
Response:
**4:21:35**
